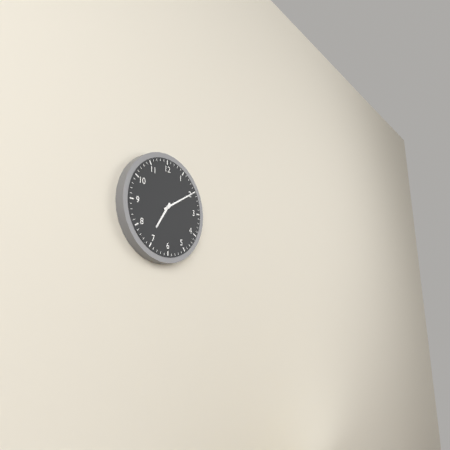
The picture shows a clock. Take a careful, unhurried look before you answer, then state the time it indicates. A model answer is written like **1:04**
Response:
**7:10**
